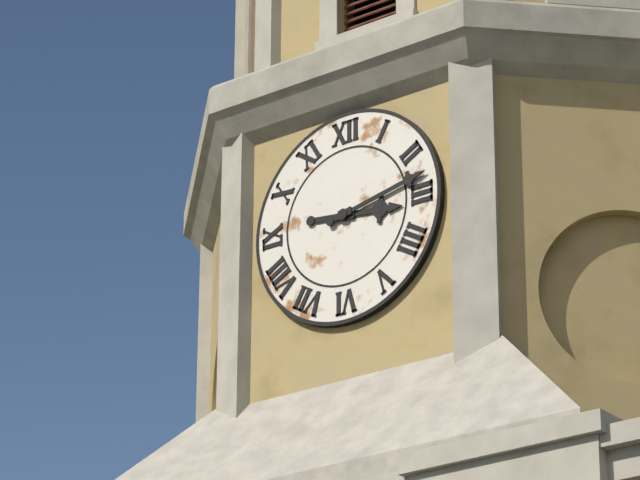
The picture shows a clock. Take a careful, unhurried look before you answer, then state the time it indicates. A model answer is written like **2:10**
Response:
**3:13**
